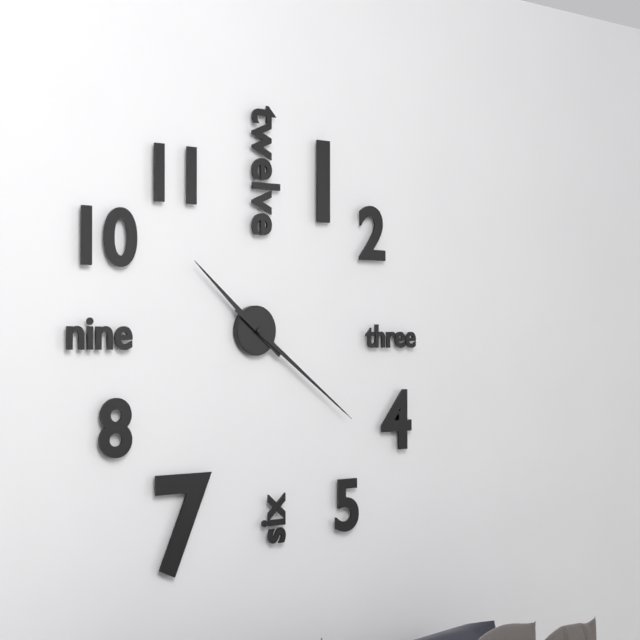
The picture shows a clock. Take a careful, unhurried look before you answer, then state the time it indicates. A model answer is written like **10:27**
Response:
**10:21**
